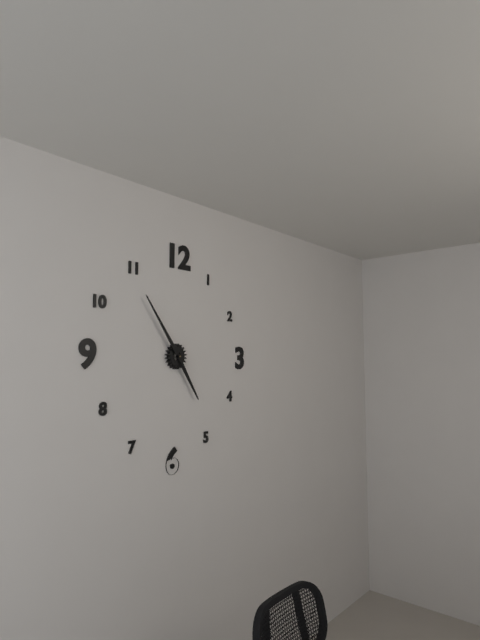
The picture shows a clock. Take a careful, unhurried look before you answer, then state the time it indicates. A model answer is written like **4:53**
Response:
**4:54**
